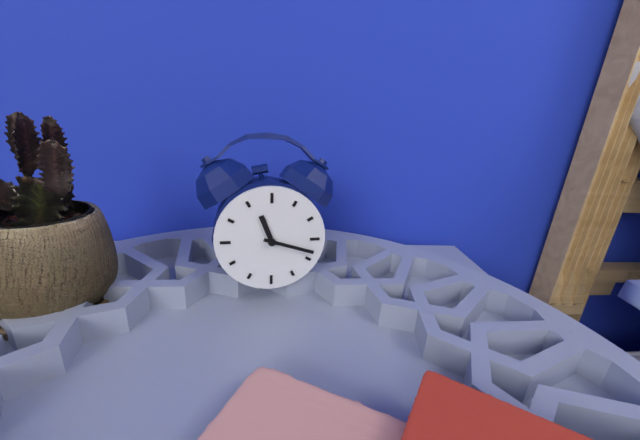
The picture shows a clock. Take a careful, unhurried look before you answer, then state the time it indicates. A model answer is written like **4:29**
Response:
**11:18**
